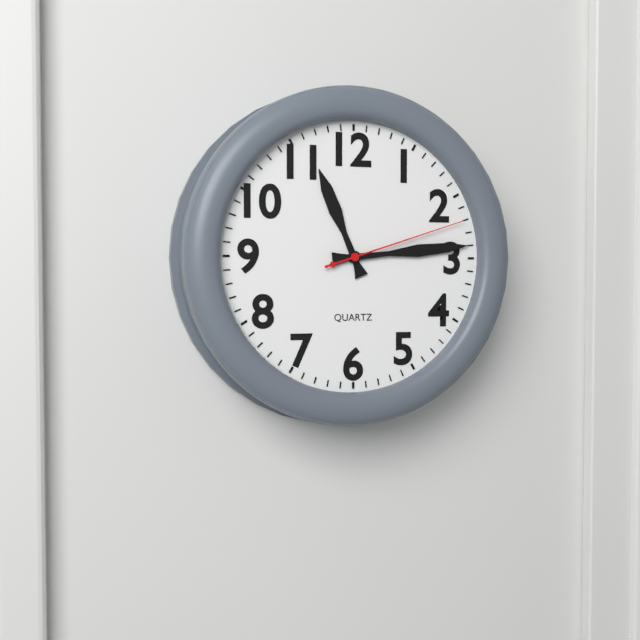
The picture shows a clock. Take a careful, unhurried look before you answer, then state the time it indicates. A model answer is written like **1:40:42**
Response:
**11:14:12**
